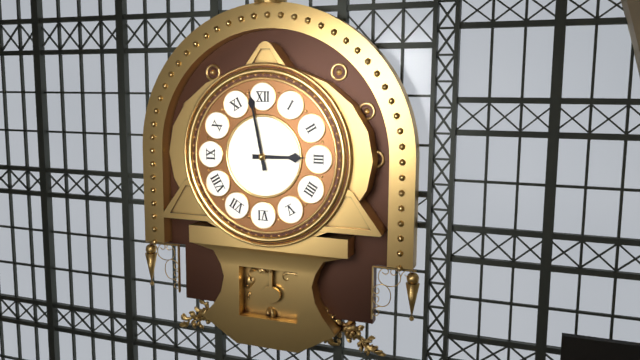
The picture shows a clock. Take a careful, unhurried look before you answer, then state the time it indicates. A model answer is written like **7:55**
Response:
**2:58**
